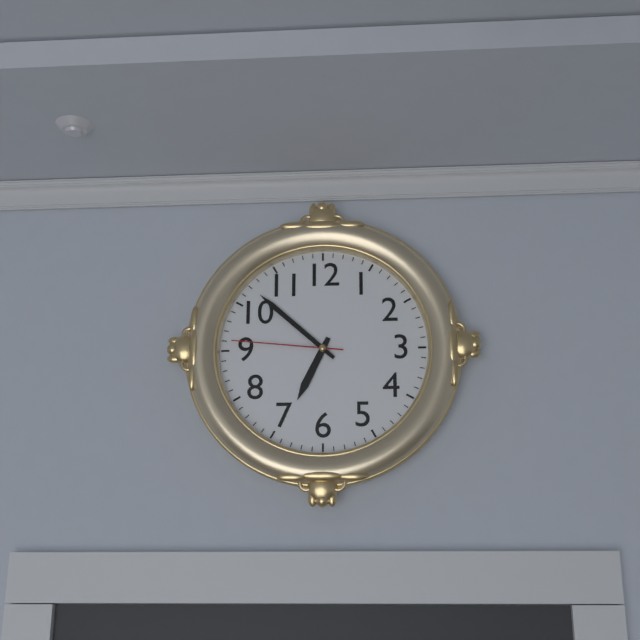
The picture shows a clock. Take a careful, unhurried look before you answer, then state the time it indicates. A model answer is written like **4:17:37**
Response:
**6:52:46**
